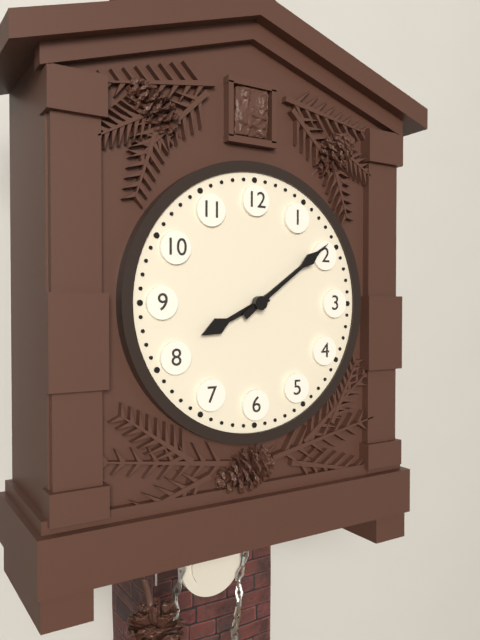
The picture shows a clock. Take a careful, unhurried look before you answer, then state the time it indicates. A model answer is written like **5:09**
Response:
**8:09**
